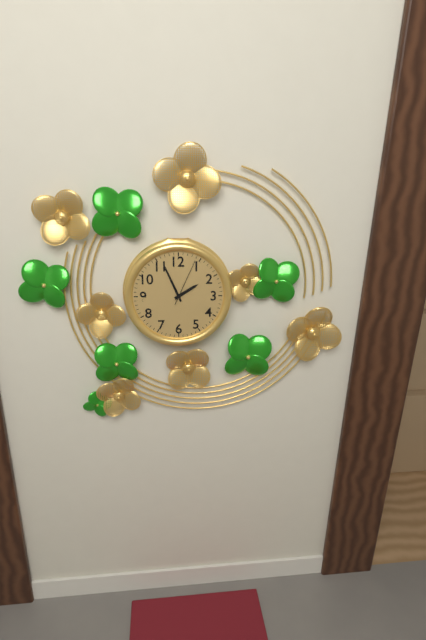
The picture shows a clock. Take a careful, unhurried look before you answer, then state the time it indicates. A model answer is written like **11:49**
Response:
**1:56**
